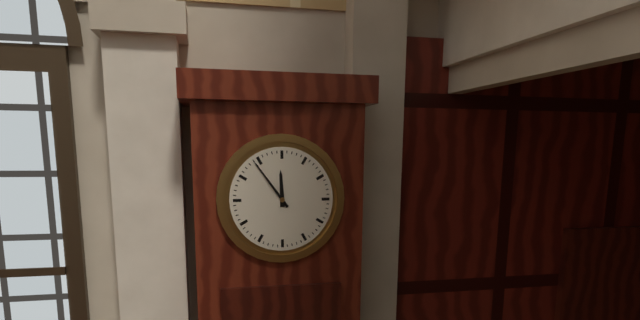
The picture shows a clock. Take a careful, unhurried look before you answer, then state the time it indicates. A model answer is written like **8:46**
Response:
**11:54**
